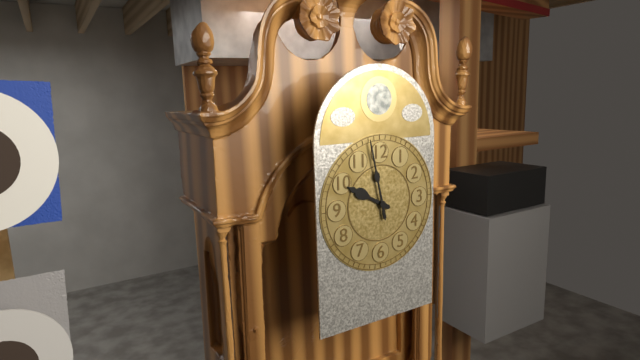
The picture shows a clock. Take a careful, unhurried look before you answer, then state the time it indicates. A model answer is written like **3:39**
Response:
**9:58**
